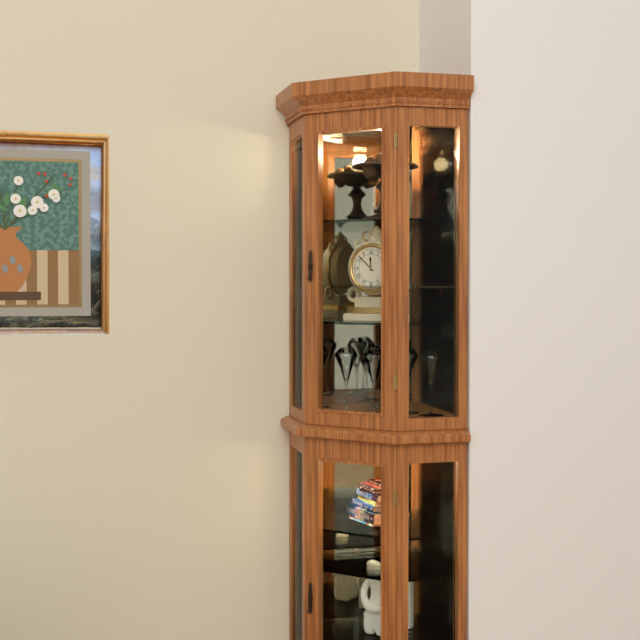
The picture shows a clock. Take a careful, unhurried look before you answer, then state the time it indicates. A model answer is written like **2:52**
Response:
**11:52**
